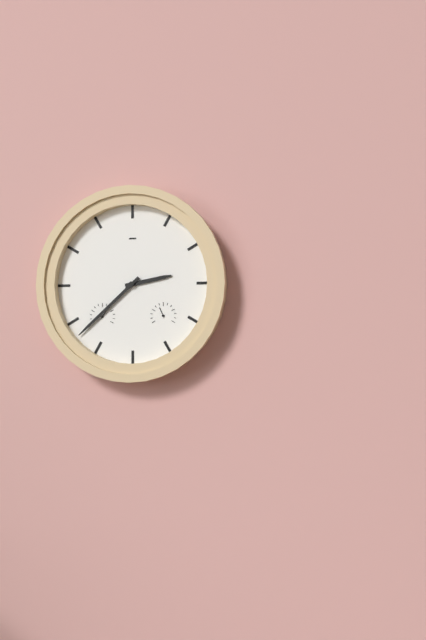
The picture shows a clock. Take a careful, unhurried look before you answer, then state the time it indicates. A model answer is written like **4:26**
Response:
**2:38**
